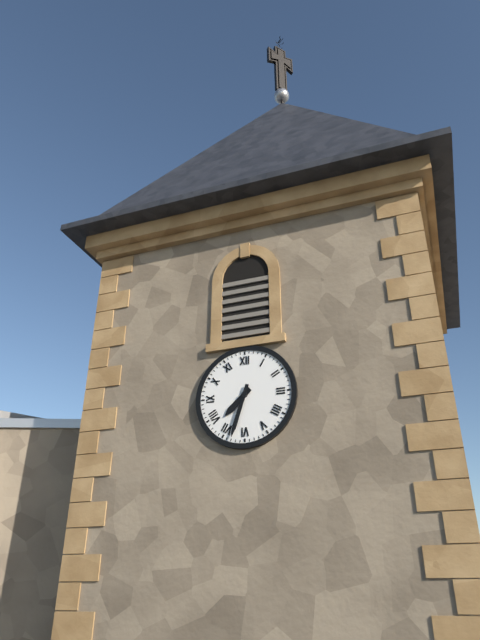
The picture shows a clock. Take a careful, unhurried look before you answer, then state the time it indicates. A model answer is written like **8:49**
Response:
**7:33**
